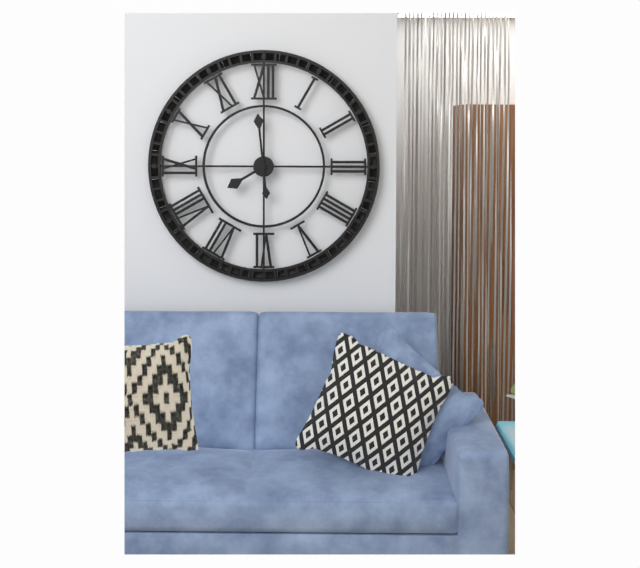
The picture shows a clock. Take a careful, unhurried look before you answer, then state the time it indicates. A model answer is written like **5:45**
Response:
**7:59**
